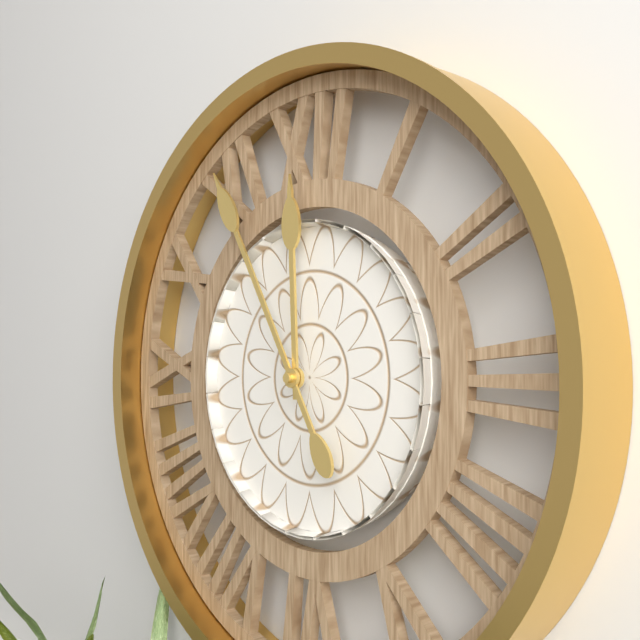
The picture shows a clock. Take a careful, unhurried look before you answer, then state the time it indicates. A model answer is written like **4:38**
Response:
**11:55**
